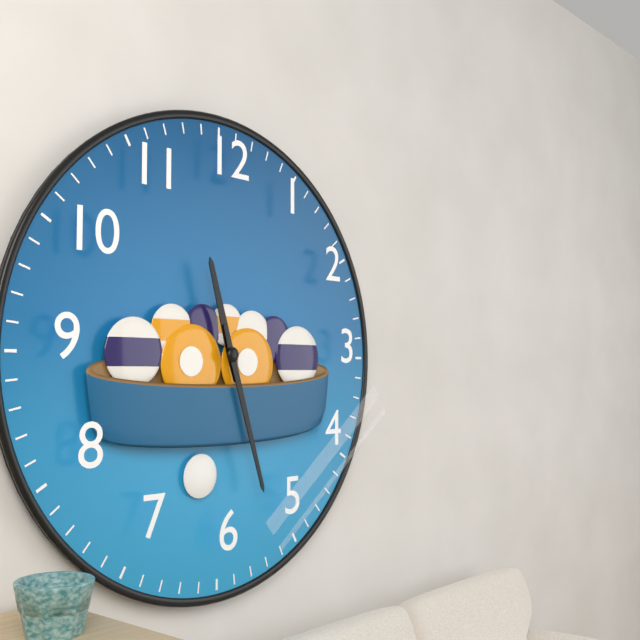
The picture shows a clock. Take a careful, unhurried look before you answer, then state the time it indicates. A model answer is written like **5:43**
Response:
**11:27**
